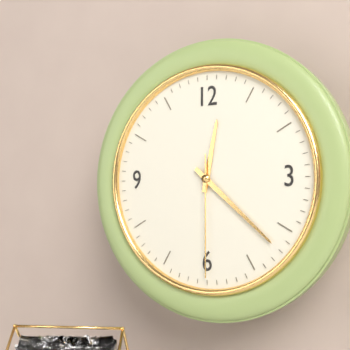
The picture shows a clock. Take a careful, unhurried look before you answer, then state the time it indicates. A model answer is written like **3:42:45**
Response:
**12:22:30**
